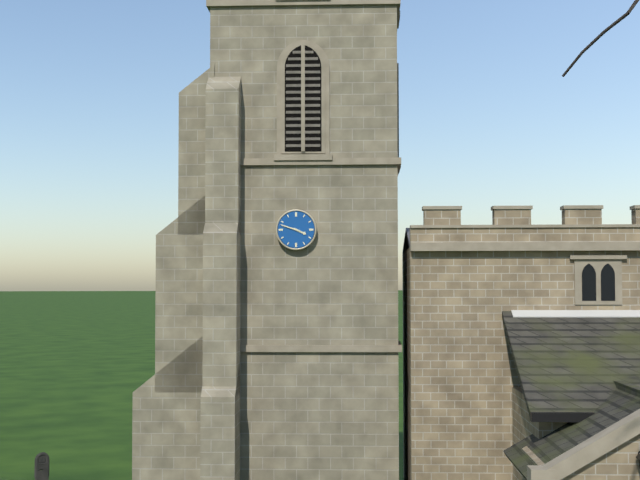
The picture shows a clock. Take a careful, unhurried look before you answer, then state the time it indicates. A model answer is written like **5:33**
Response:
**3:48**
